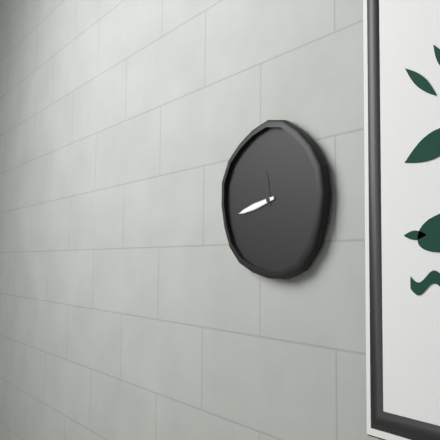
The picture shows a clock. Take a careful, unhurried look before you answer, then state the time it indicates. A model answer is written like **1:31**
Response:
**11:43**
